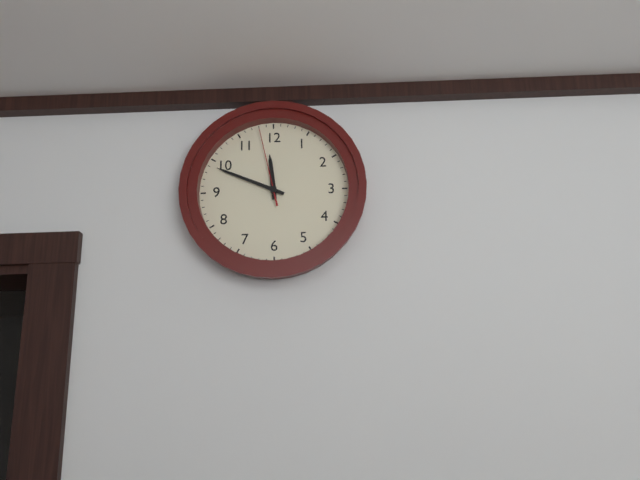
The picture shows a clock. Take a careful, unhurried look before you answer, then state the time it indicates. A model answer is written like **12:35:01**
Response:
**11:49:58**
